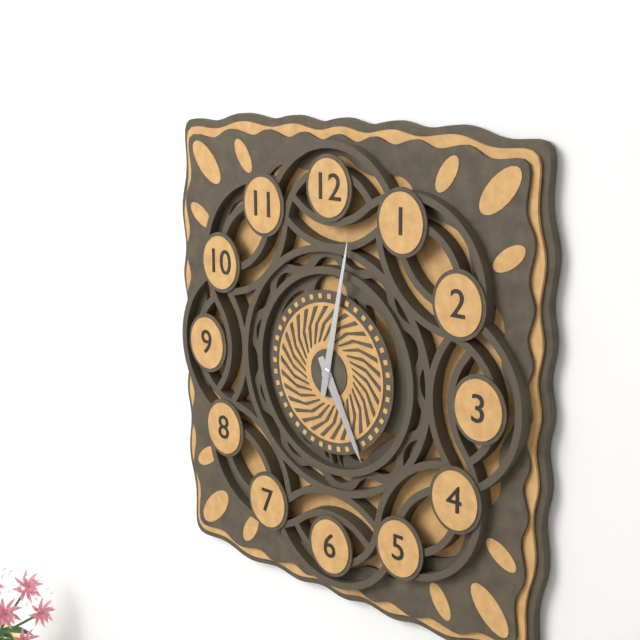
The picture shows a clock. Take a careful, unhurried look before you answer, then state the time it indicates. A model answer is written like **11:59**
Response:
**5:02**
